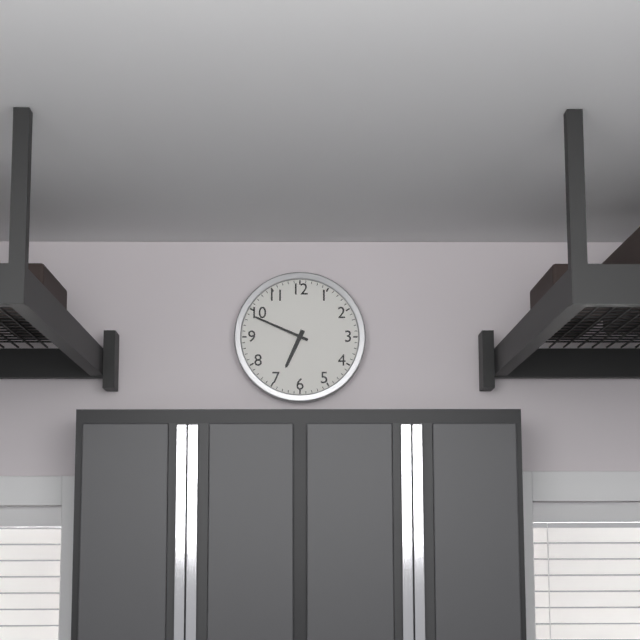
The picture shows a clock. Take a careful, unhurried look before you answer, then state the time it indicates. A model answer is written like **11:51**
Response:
**6:49**
